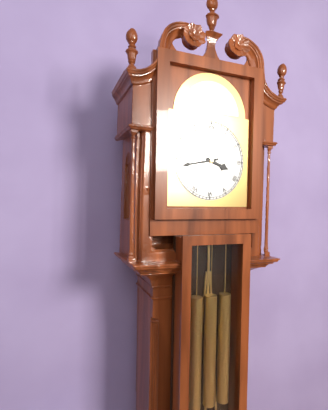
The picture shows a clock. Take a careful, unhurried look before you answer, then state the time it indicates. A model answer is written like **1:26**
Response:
**3:43**
